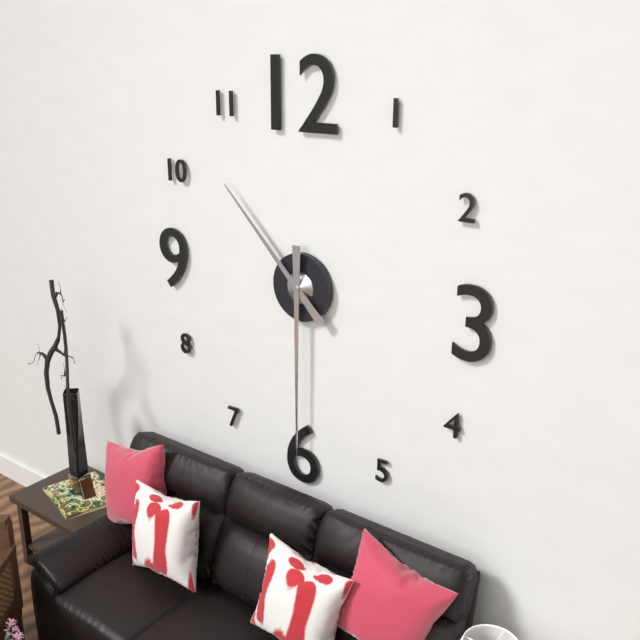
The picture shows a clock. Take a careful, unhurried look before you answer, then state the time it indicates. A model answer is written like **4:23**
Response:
**10:30**
